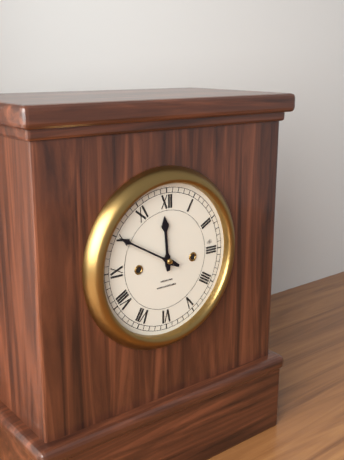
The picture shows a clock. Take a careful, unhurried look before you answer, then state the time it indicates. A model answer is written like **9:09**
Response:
**11:50**
